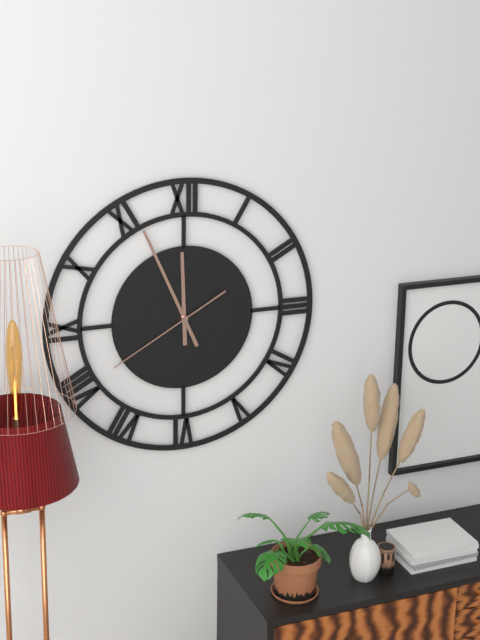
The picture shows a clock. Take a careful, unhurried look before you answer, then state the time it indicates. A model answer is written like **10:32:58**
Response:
**11:56:40**
